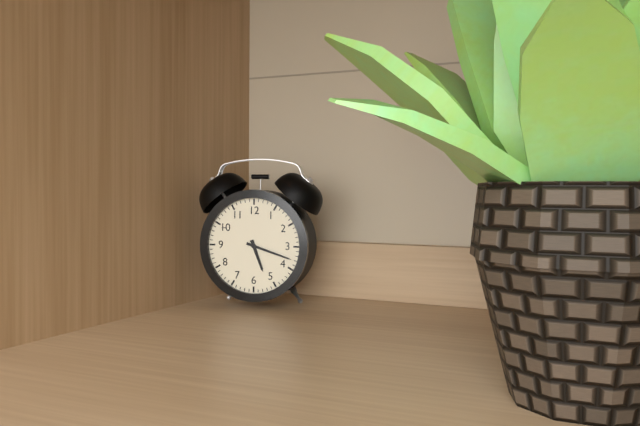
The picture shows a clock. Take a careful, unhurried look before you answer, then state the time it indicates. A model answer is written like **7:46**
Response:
**5:18**
